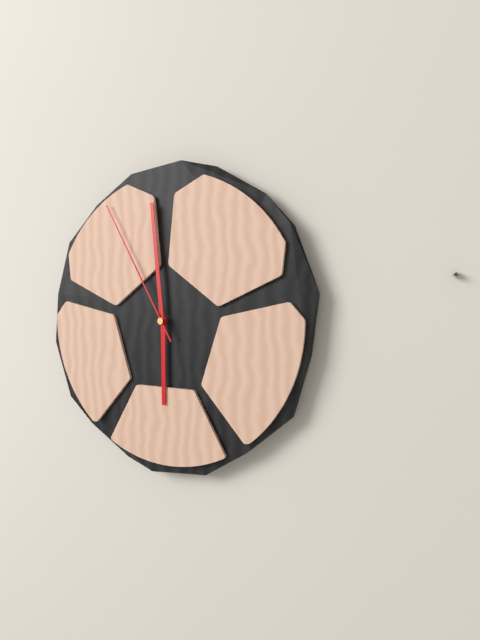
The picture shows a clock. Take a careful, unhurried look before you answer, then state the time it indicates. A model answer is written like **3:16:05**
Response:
**5:59:55**
